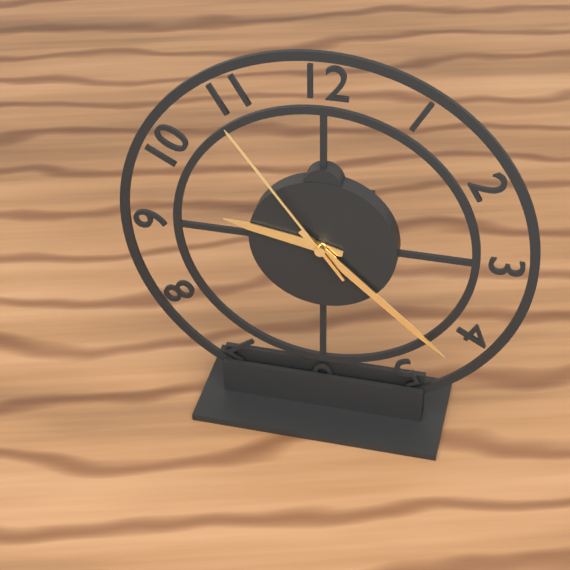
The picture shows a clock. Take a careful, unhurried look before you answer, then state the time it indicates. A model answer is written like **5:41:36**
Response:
**9:22:54**
